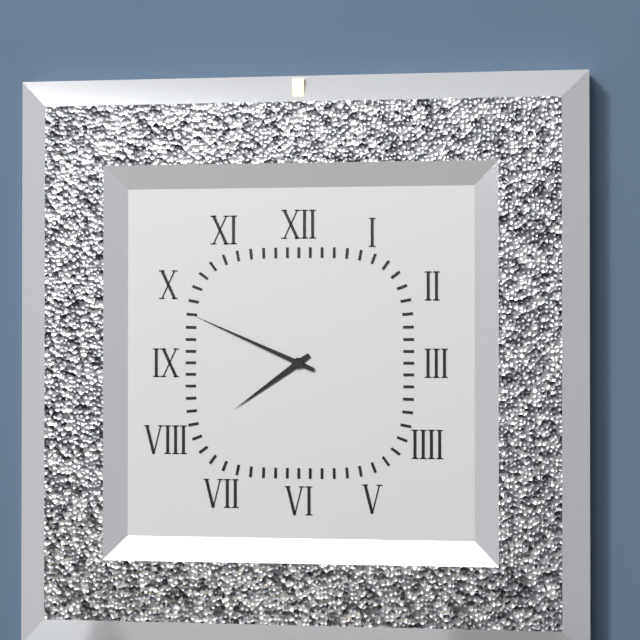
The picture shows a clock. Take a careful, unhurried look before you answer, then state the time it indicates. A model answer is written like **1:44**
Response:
**7:49**
